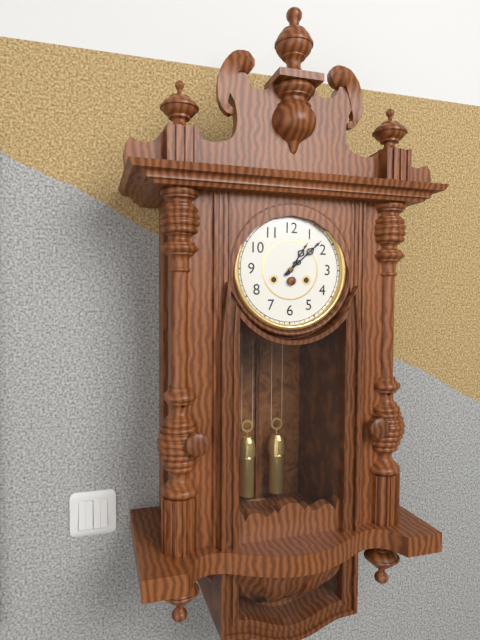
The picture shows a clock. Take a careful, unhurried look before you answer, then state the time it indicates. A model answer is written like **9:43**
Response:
**1:08**
